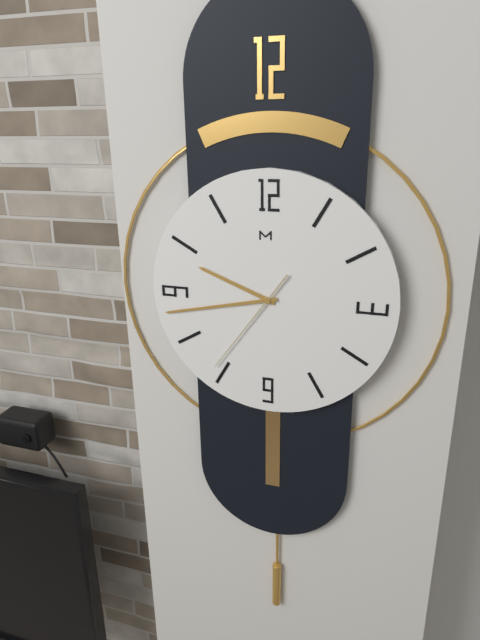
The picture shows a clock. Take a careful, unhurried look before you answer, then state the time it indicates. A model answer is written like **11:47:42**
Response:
**9:43:36**
